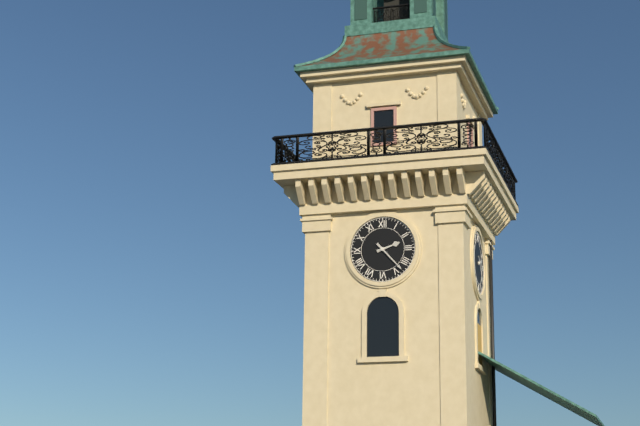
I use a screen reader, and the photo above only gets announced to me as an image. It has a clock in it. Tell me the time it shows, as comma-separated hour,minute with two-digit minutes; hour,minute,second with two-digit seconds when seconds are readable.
2,23
